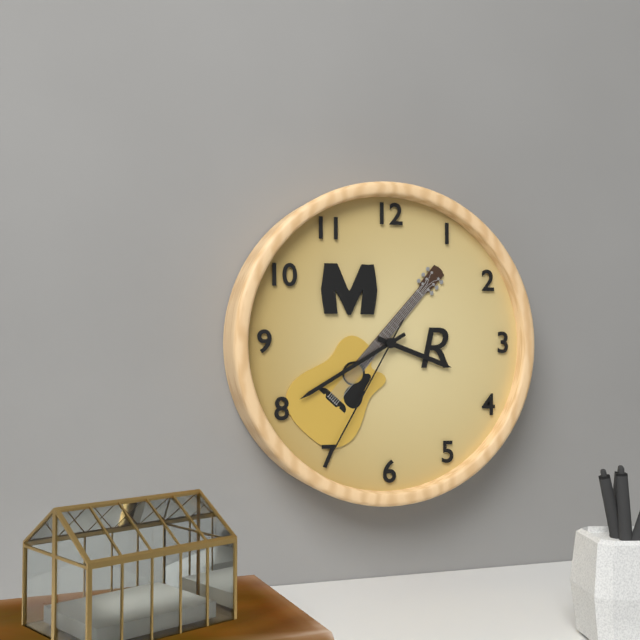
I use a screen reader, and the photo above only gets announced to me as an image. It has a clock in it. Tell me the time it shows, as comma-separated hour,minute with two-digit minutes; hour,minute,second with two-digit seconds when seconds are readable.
3,40,35
